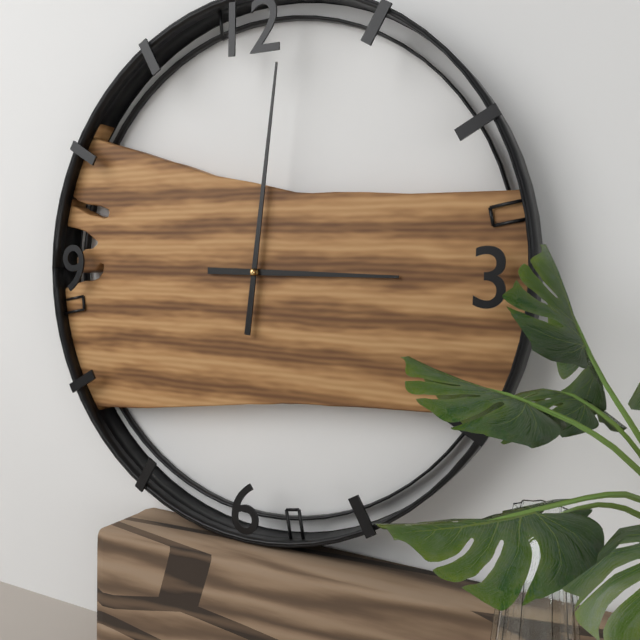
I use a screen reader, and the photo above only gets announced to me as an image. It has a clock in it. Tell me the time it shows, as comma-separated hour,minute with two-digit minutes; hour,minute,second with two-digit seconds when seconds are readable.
3,01
